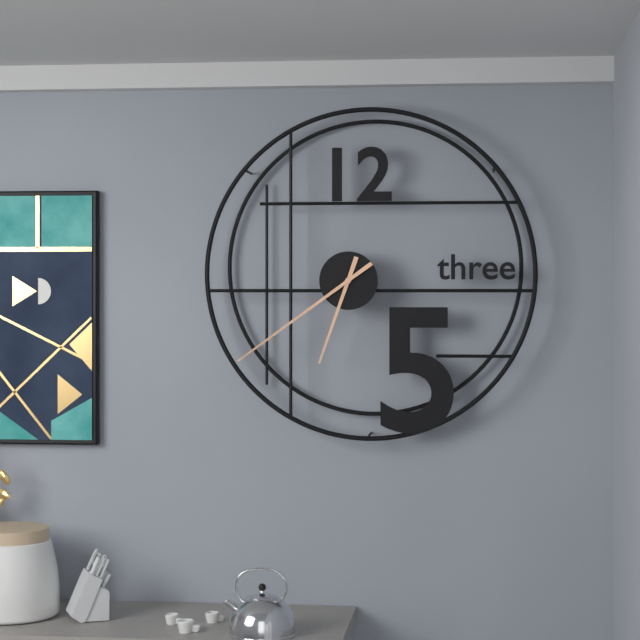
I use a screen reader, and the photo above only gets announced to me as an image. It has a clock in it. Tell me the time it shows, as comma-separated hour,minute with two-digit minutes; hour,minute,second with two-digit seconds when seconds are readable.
6,39
